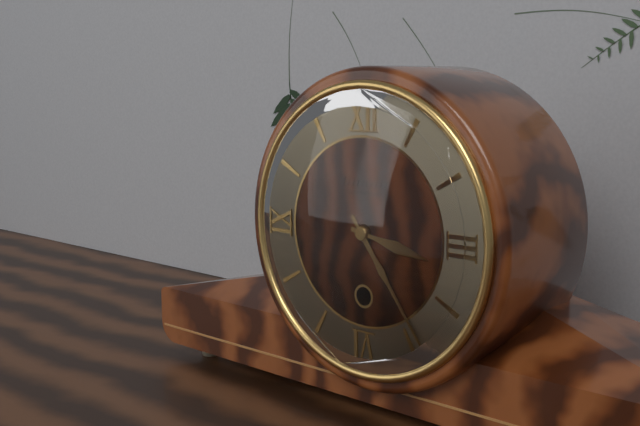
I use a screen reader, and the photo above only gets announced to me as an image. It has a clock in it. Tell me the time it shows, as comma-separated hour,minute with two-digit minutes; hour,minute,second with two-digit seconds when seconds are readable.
3,24
